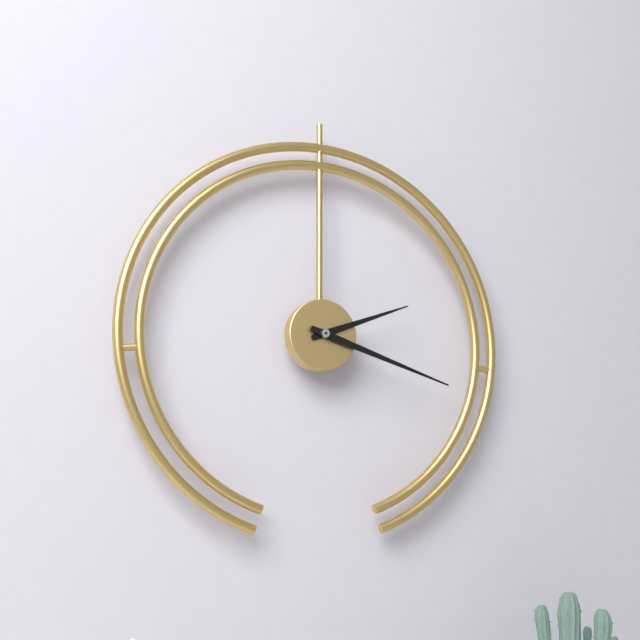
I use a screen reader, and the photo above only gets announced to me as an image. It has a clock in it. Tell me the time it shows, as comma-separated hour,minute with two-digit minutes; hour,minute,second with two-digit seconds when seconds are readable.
2,18
